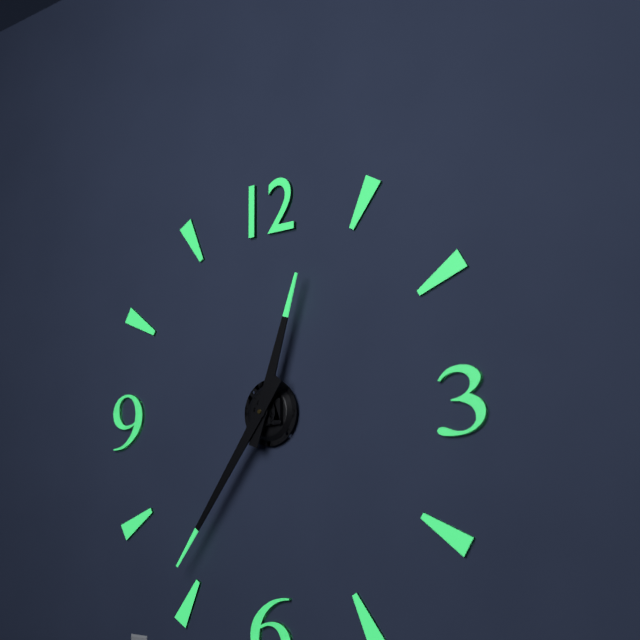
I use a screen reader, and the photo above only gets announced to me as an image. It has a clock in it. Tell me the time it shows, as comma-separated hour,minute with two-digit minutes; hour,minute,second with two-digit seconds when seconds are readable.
12,36
